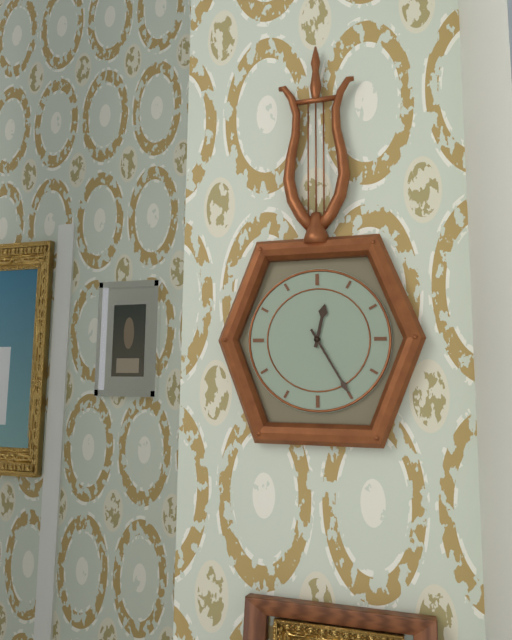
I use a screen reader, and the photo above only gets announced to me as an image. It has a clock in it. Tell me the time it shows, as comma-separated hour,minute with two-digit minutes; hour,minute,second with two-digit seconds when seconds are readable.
12,25
